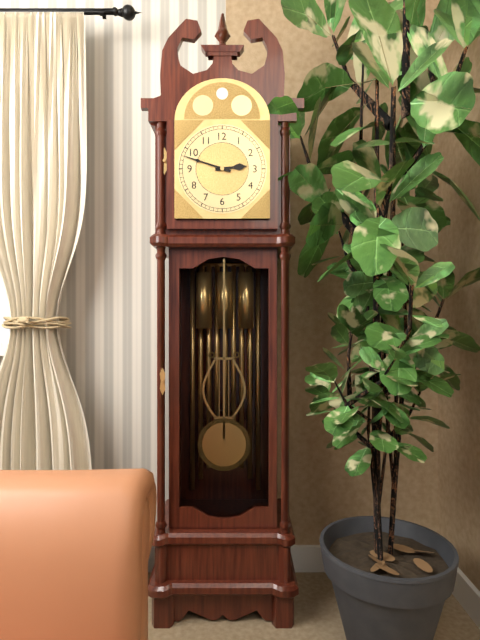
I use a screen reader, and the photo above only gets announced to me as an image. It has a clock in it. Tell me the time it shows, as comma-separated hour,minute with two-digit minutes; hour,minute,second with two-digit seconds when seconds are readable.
2,48
